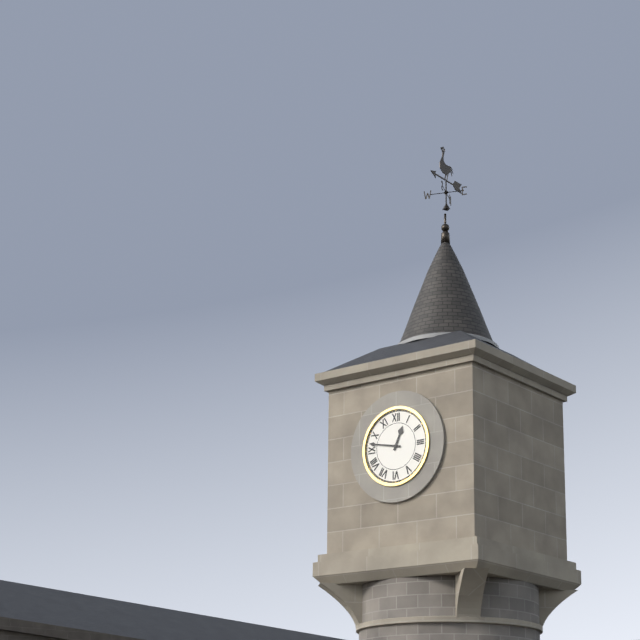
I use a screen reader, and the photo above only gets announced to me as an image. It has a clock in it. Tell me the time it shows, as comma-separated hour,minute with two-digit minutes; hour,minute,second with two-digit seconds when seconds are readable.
12,47
